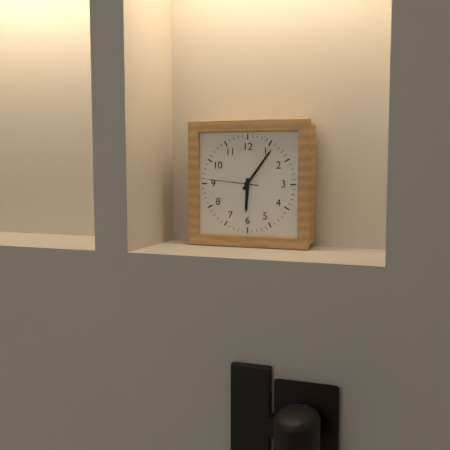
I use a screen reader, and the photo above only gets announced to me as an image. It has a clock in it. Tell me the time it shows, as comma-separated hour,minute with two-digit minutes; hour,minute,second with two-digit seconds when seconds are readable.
6,06,46
